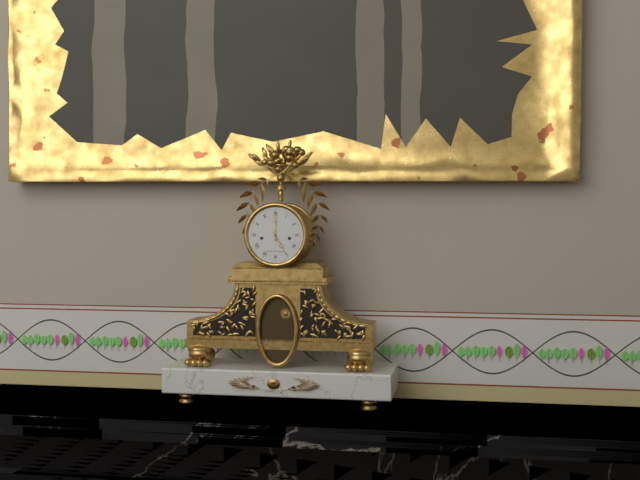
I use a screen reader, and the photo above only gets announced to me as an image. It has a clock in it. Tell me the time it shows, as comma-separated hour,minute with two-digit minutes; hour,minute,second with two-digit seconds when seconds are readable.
5,00
